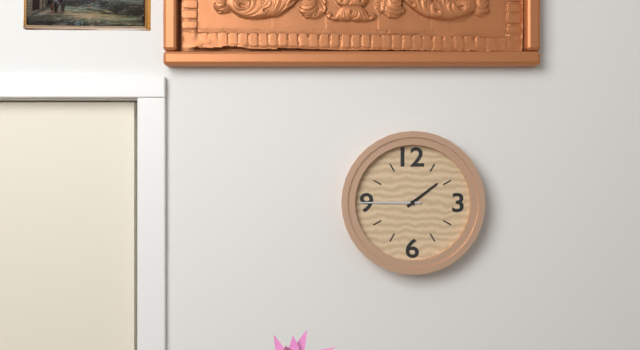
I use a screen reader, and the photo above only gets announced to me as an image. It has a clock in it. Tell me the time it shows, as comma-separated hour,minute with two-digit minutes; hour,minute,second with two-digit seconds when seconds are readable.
1,45
